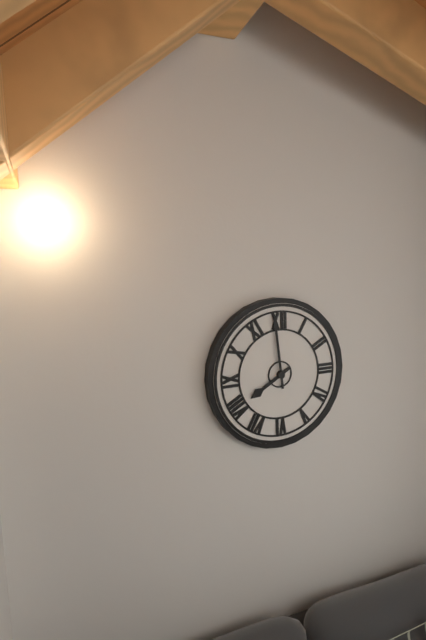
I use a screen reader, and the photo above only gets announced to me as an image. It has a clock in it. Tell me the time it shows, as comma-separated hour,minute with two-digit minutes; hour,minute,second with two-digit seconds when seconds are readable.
7,59
